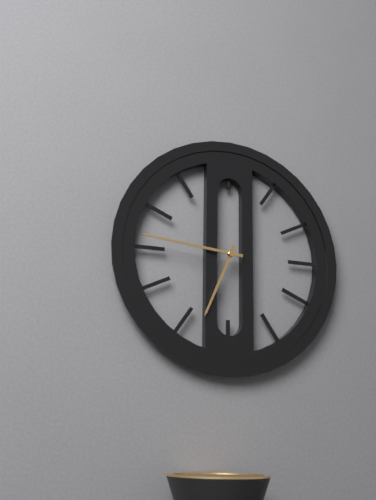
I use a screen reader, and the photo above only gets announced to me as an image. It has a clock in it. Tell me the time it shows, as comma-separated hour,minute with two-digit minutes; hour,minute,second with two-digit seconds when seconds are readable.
6,46
